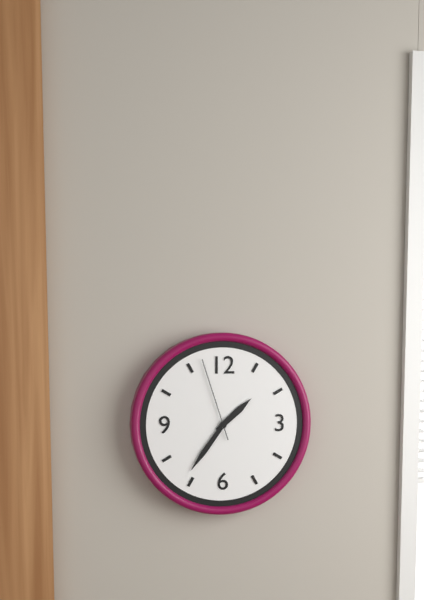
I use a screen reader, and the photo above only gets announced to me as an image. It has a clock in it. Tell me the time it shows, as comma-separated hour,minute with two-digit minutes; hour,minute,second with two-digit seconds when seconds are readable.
1,36,57
